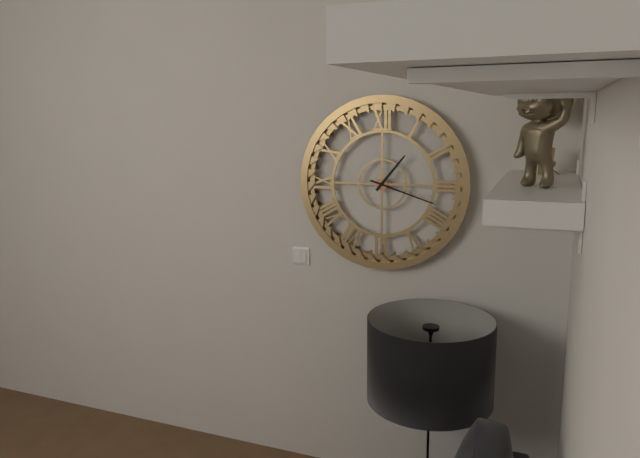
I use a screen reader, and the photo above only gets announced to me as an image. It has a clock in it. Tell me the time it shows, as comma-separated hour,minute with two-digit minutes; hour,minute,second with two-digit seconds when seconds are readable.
1,18
